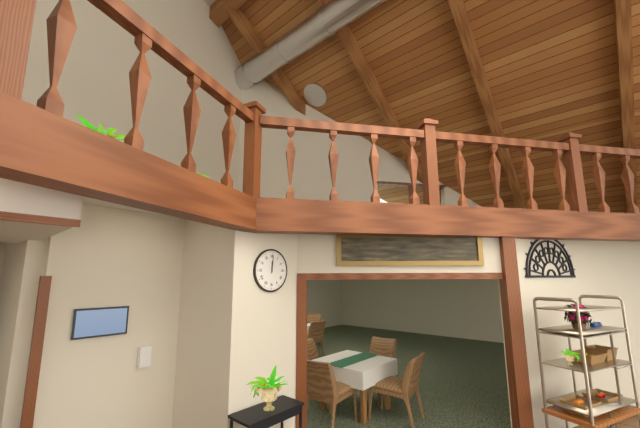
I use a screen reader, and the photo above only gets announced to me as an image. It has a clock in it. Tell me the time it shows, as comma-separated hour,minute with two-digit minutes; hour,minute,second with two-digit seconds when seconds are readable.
12,01
